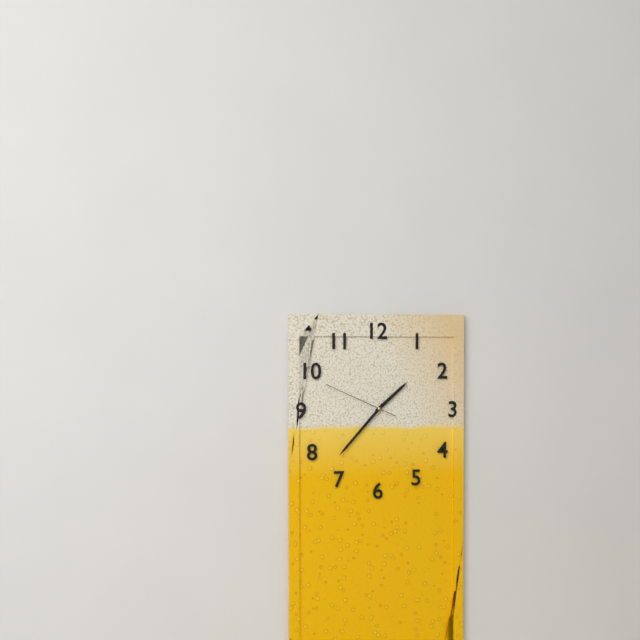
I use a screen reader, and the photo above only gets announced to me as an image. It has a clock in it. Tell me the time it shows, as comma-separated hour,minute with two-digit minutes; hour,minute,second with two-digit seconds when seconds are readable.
1,37,49
